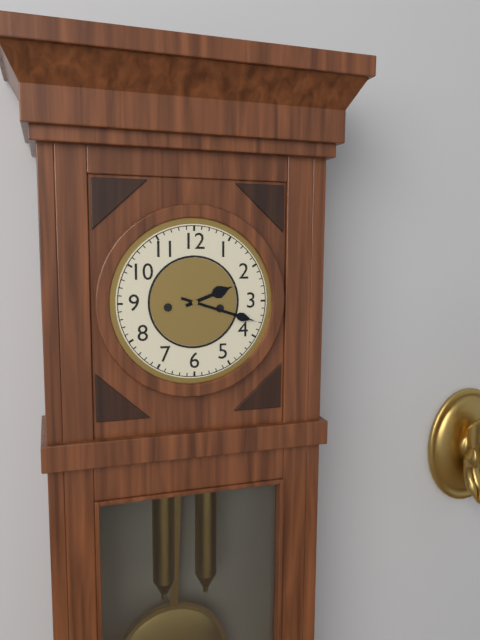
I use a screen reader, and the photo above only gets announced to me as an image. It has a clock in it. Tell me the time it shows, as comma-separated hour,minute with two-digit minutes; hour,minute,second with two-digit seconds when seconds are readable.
2,18
